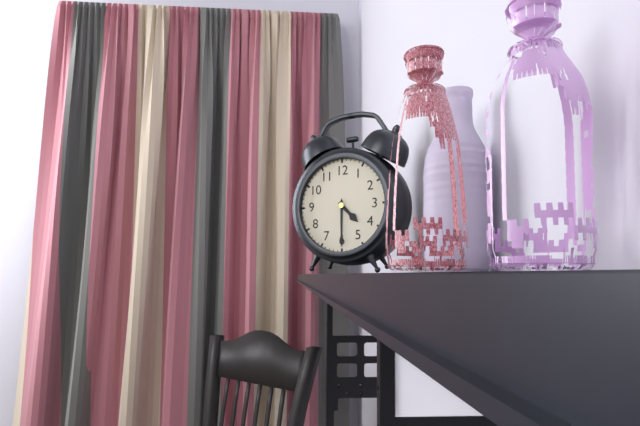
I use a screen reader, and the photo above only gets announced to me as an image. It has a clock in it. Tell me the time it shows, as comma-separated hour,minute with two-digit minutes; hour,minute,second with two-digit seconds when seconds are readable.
4,30
